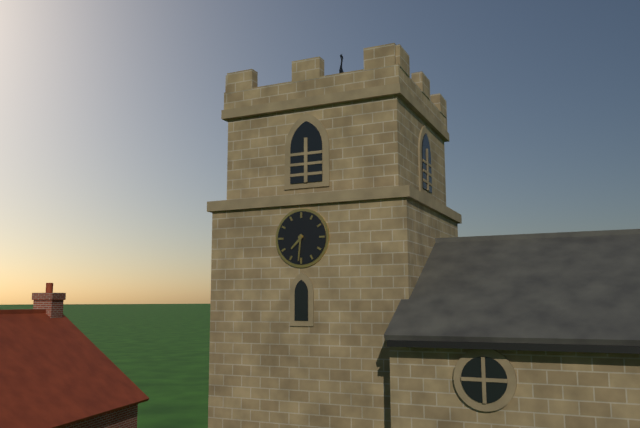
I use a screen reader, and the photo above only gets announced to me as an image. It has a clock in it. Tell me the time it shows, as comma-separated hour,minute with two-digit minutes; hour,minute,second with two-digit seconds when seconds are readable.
7,31
